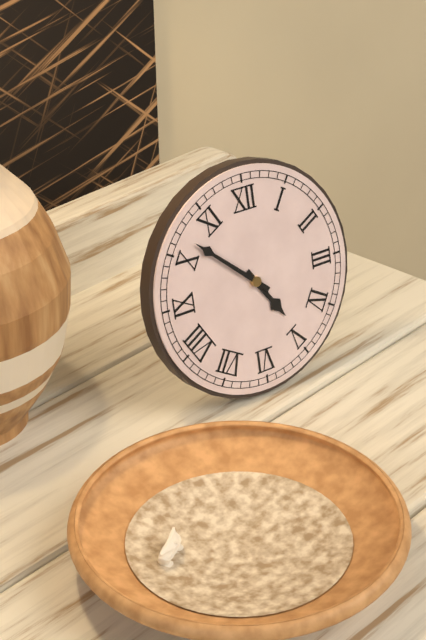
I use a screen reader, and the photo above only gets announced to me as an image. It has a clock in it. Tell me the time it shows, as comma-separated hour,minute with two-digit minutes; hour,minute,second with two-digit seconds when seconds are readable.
4,52
